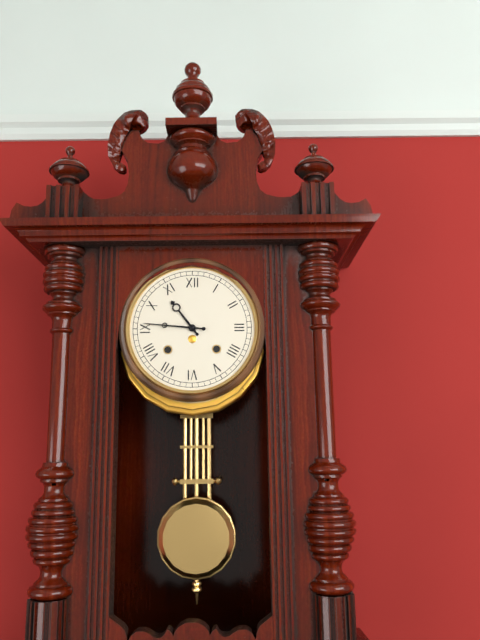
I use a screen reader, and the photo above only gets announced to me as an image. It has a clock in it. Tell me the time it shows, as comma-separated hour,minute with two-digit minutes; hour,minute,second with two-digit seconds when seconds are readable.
10,46
